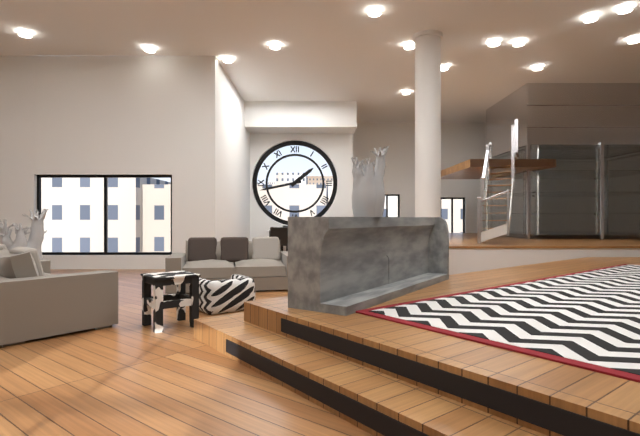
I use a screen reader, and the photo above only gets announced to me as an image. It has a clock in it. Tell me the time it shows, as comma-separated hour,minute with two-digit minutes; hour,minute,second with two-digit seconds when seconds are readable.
1,43
